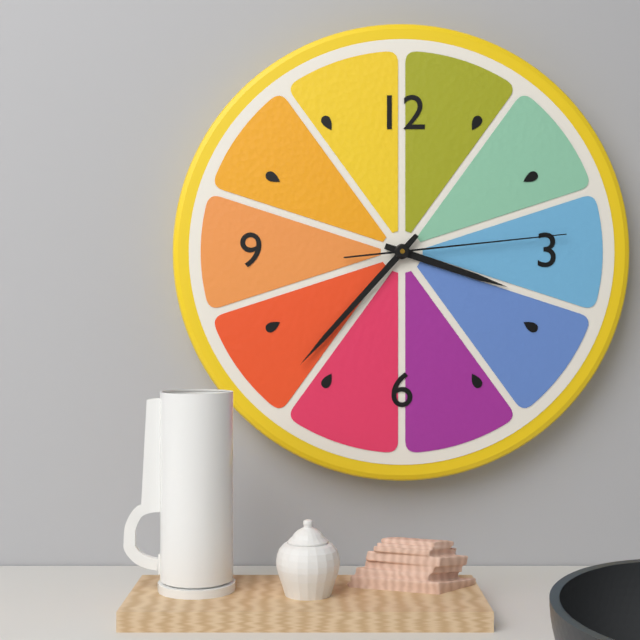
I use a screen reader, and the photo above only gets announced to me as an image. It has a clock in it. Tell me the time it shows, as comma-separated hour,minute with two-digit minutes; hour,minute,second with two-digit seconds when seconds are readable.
3,37,14
